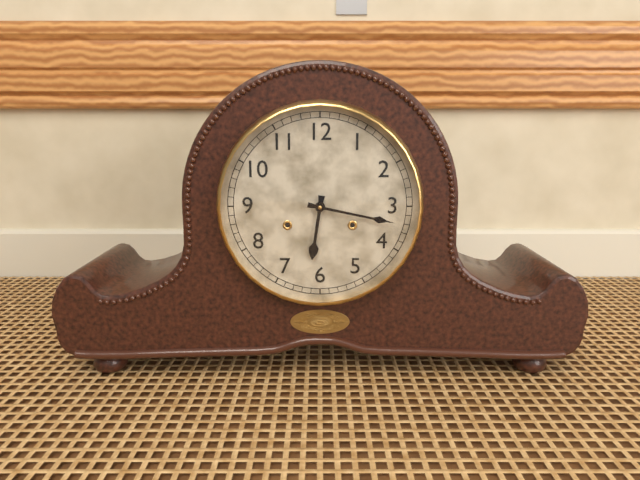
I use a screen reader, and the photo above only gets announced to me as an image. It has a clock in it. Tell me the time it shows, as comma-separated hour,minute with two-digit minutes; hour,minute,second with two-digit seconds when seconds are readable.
6,17
